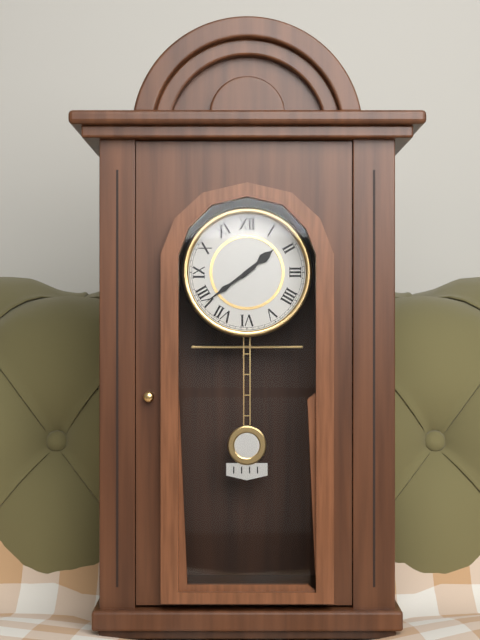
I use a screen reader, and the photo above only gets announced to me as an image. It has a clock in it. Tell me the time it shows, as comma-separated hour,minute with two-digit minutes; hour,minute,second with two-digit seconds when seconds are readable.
1,39
